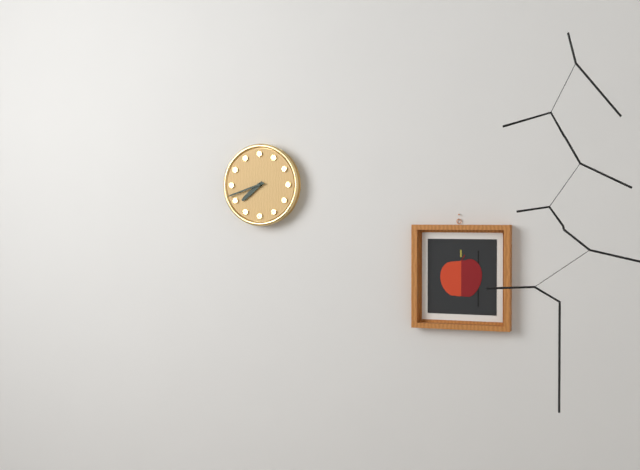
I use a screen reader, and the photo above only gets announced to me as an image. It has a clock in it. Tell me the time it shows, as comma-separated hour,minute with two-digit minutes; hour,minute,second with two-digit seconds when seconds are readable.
7,42
